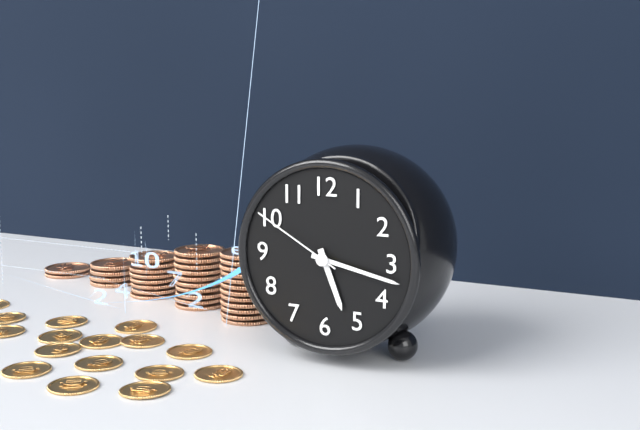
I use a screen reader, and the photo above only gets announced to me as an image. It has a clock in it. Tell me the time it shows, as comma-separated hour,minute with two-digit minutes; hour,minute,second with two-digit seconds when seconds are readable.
5,17,50
